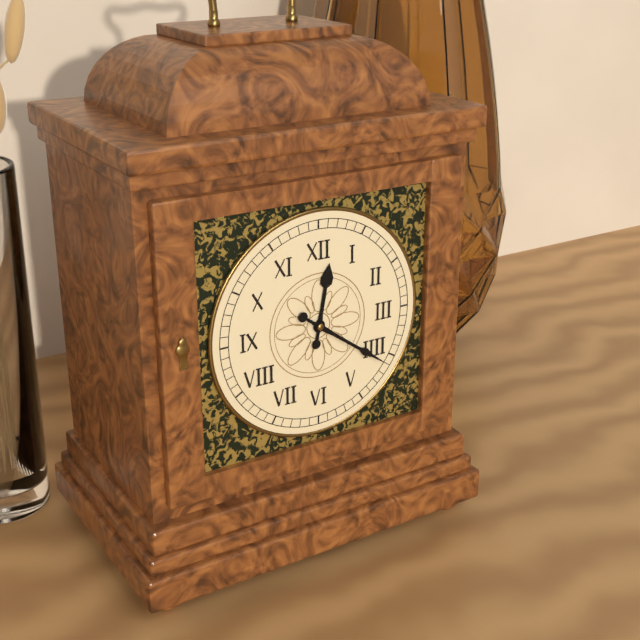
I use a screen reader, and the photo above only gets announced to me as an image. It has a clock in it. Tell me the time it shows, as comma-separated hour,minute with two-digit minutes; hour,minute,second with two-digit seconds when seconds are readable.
12,21
